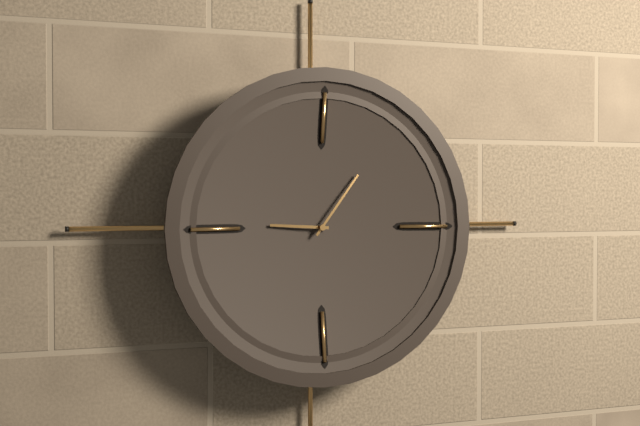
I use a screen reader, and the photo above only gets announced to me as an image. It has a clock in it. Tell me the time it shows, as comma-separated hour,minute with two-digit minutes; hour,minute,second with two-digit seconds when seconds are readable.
9,06
